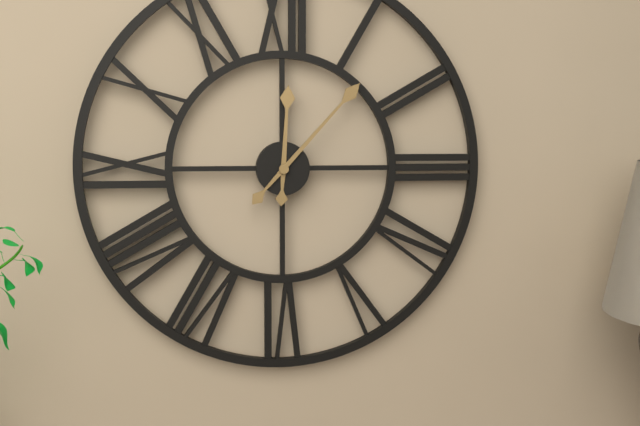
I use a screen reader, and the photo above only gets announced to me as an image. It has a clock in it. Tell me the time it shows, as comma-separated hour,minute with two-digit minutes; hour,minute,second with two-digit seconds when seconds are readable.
12,07
